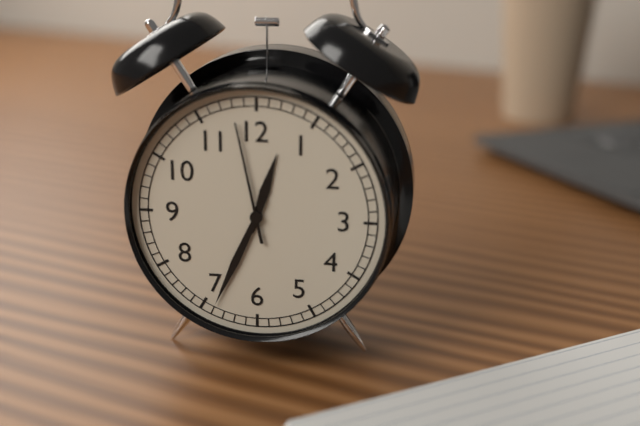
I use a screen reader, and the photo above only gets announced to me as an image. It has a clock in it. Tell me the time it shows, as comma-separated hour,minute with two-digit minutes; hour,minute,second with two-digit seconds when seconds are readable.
12,34,58
